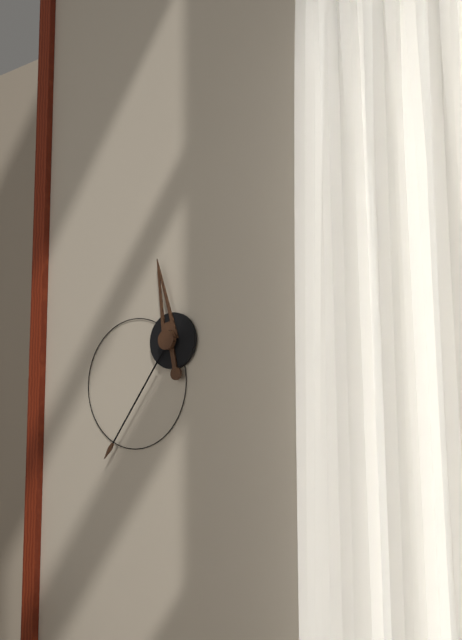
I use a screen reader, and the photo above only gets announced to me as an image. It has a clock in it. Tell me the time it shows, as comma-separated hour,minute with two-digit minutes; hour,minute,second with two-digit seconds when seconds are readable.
11,36
